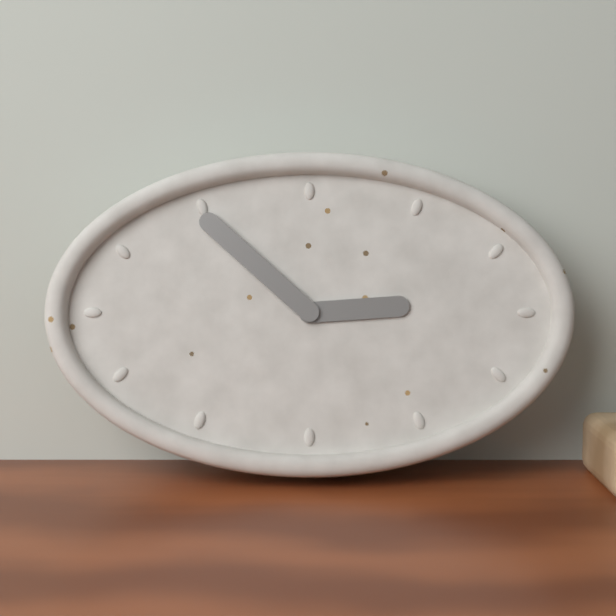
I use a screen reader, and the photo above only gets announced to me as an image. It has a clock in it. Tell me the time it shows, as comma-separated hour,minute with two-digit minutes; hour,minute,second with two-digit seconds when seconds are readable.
2,52
